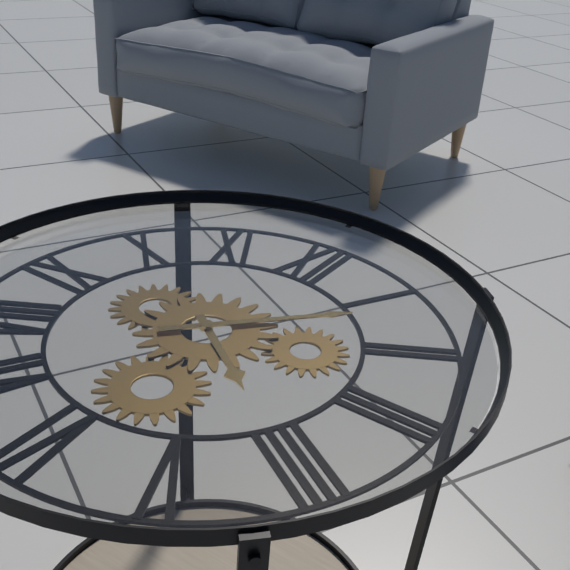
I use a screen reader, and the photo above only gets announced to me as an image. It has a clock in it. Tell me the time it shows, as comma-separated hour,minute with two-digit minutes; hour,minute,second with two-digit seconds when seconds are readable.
4,07
